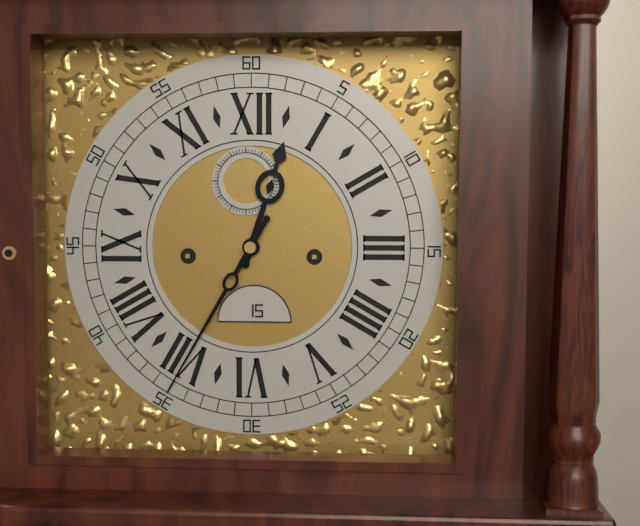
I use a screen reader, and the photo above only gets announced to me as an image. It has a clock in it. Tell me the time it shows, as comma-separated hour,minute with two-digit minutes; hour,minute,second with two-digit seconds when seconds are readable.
12,35
